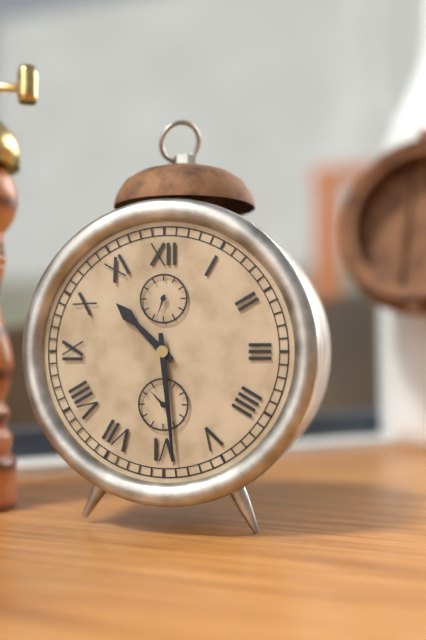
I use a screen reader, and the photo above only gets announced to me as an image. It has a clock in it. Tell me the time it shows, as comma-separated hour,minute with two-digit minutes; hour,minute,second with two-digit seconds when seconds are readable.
10,29
